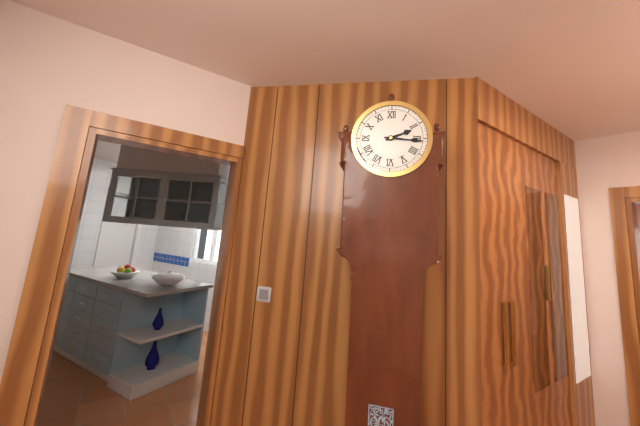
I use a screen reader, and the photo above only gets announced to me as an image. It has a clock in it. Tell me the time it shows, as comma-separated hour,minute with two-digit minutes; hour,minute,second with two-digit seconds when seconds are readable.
2,16
